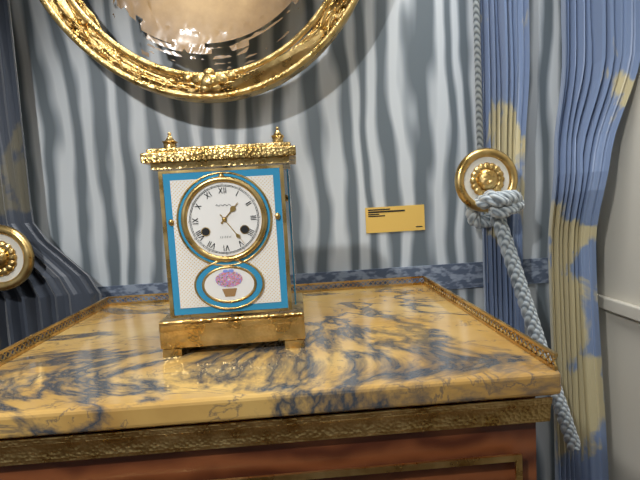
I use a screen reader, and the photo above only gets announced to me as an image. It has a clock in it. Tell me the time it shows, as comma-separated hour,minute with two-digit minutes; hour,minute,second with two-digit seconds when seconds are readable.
1,24
